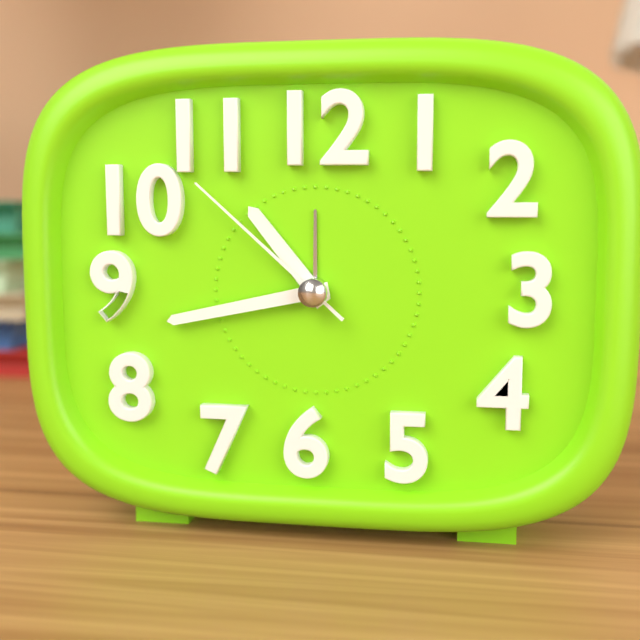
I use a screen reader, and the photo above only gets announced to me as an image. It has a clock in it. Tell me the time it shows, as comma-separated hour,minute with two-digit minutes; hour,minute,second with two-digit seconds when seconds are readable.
10,43,52
